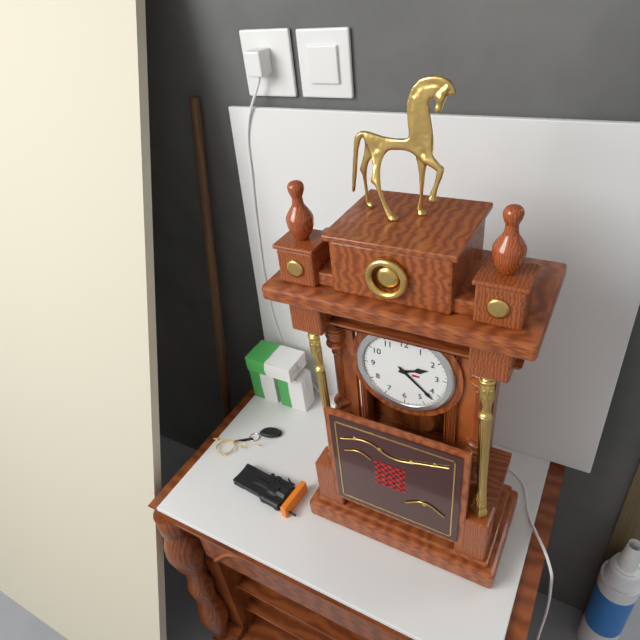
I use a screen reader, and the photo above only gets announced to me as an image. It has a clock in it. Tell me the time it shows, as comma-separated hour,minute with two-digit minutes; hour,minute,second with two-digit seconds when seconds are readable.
2,22
